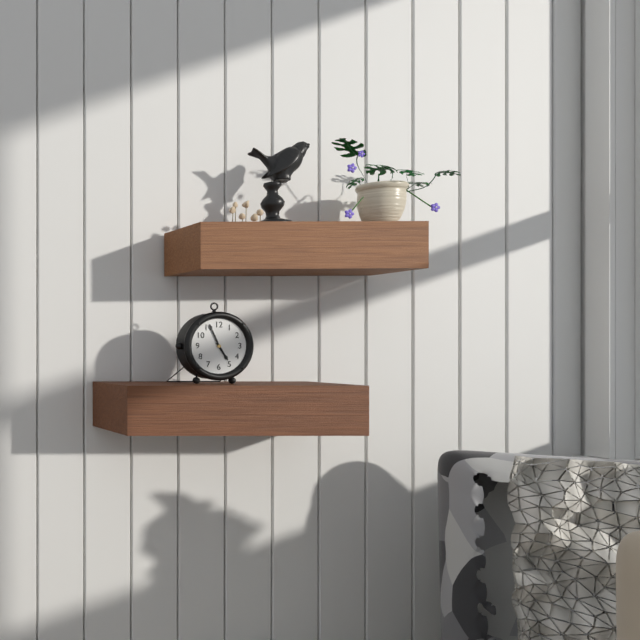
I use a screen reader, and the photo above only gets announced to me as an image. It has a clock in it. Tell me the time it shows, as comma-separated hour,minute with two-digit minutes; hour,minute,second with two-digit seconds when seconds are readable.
4,56
